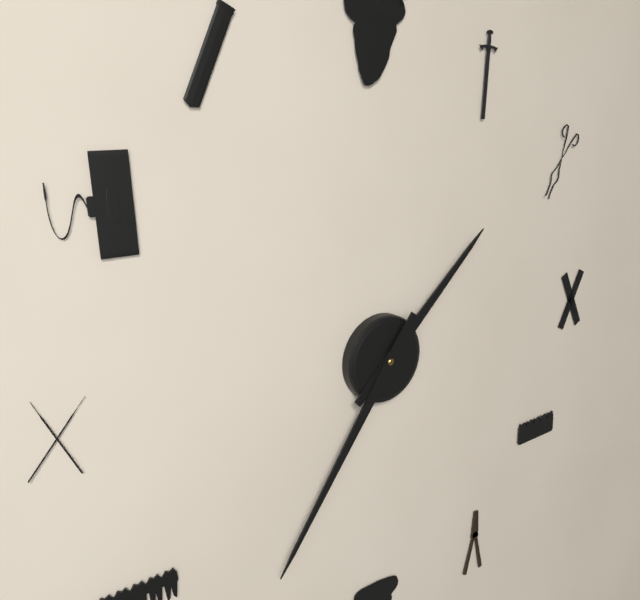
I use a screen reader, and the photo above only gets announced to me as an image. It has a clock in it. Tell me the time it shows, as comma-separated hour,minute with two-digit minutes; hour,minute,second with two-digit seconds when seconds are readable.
1,36
